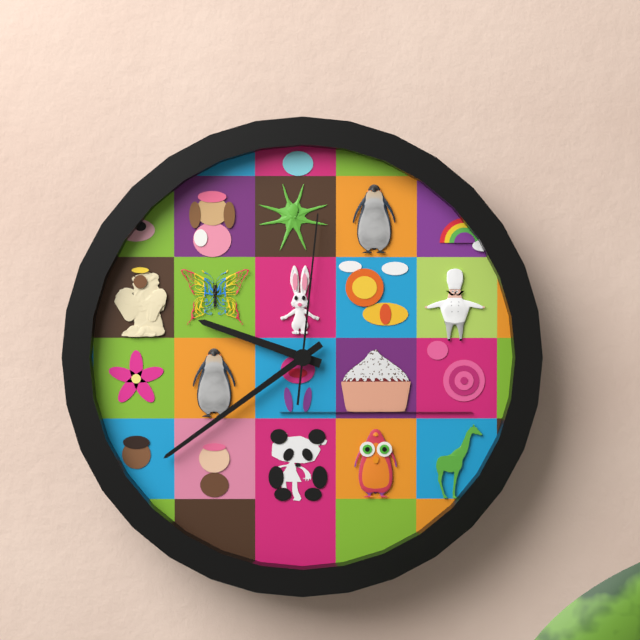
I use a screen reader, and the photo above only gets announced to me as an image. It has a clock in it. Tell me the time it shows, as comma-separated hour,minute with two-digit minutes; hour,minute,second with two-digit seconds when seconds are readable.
9,39,01
